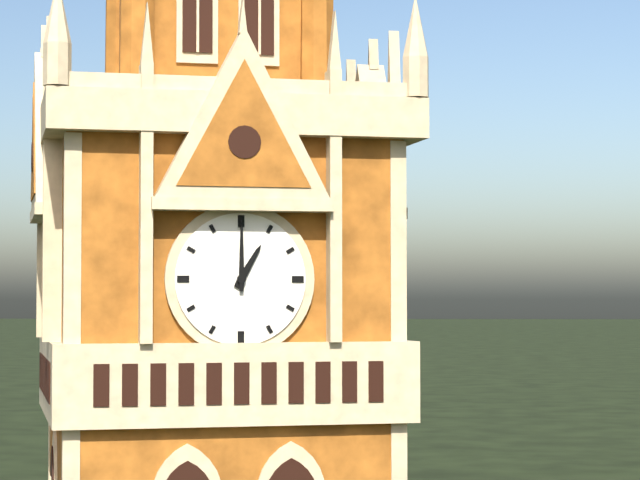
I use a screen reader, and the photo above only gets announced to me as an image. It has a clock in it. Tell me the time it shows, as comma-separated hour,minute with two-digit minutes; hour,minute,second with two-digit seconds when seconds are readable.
1,00
